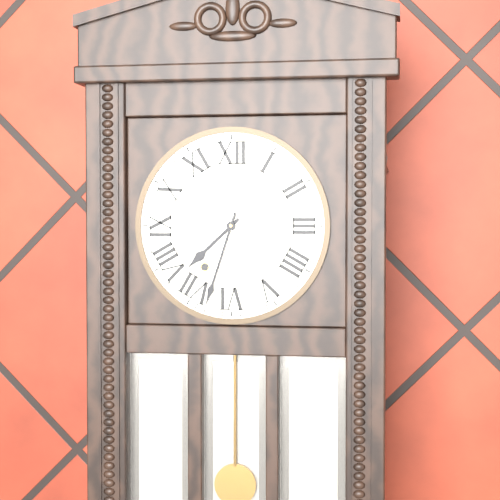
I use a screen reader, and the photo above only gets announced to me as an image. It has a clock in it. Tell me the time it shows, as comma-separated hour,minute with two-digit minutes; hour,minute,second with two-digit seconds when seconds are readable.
7,33
